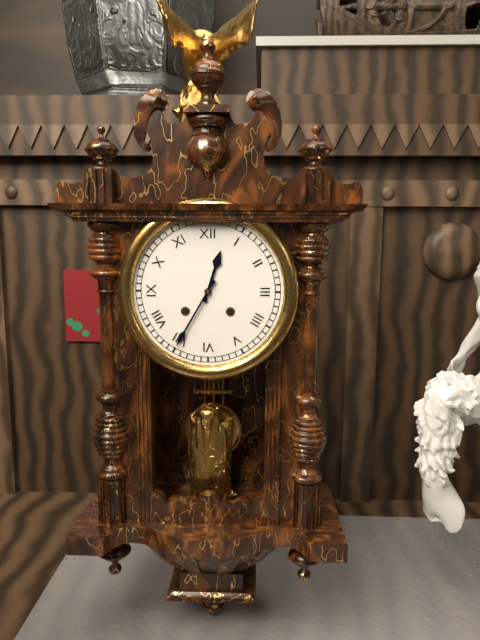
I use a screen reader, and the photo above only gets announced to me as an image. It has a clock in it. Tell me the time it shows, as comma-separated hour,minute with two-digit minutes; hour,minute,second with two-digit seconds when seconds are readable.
12,35
